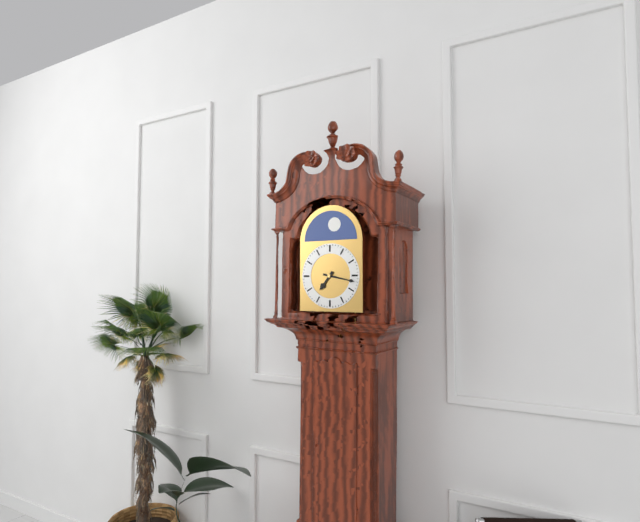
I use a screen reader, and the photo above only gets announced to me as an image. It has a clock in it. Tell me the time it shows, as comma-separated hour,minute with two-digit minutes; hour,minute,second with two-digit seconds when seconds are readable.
7,17
